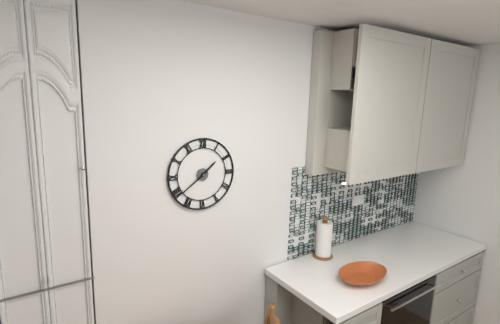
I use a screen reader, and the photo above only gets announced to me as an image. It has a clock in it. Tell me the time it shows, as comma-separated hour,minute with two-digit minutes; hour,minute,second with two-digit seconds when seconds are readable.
1,39
